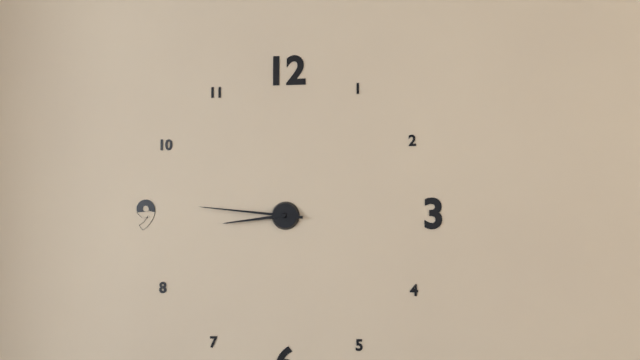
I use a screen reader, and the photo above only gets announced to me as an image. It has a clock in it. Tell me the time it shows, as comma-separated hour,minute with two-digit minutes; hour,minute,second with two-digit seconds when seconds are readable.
8,46
